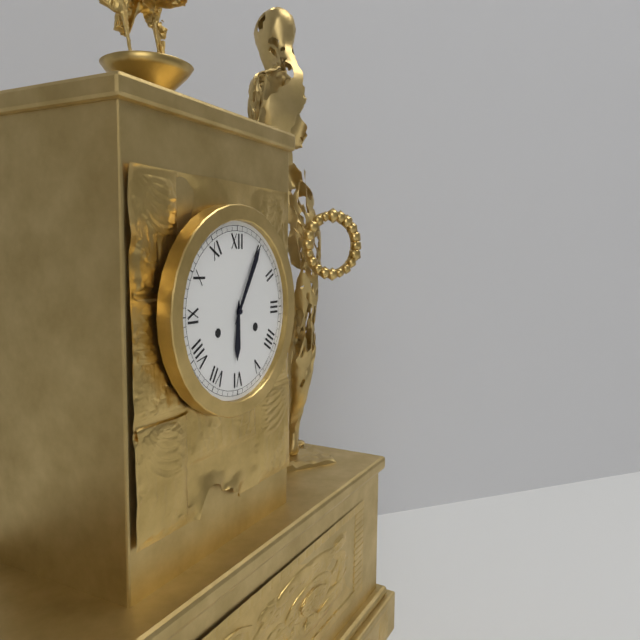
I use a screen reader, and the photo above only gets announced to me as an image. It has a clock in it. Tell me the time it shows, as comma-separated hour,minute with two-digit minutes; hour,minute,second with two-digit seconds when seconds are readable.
6,05
